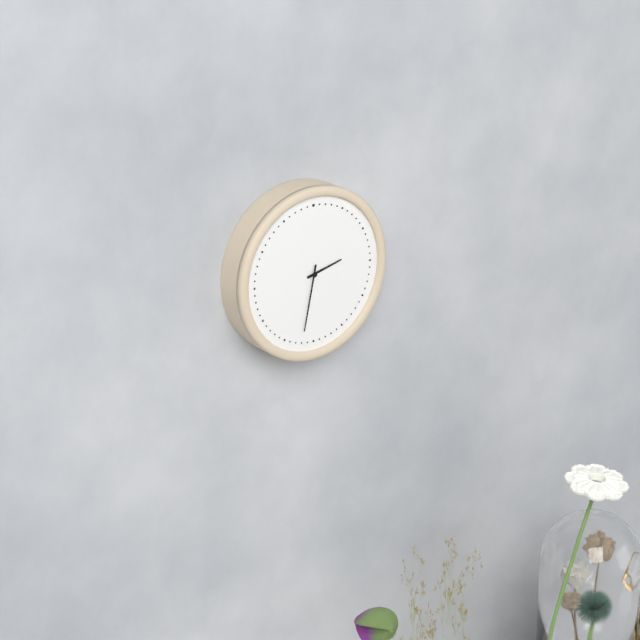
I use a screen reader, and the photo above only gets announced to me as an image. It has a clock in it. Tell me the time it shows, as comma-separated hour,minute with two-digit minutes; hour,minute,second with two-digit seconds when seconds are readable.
2,32
